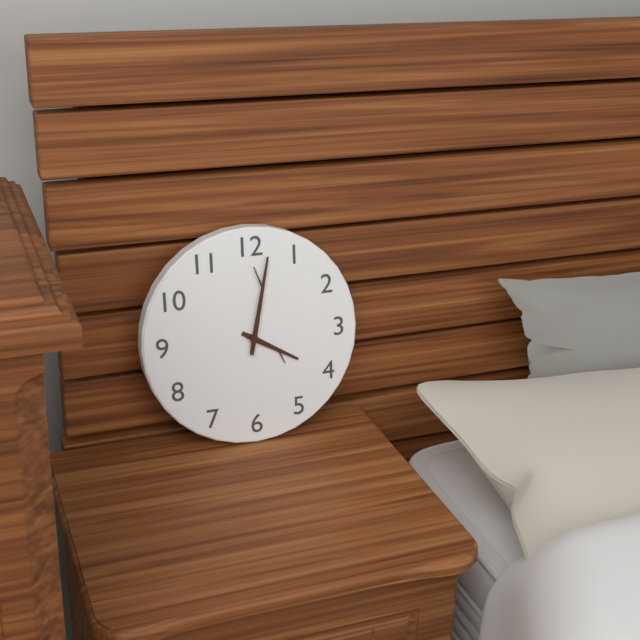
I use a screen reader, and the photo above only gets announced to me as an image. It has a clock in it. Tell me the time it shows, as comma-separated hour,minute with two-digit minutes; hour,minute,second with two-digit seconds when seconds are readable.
4,02
